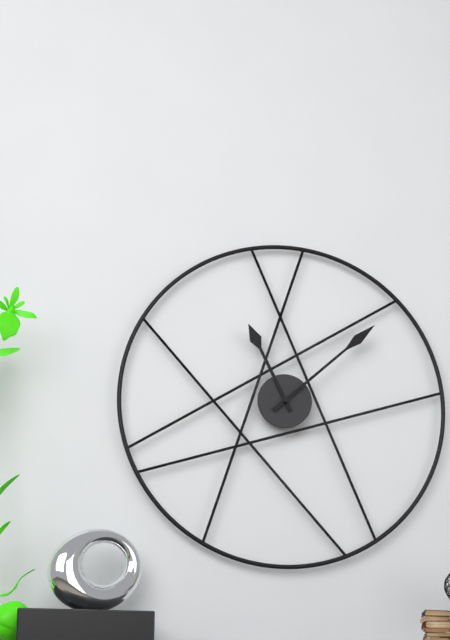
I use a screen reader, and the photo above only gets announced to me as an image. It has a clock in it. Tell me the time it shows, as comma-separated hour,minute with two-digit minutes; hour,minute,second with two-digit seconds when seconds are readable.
11,08
